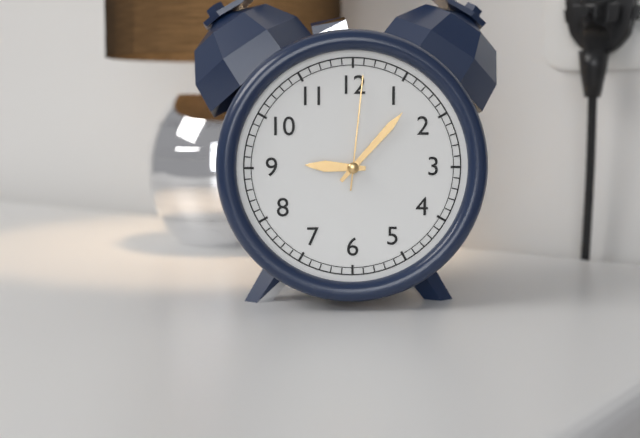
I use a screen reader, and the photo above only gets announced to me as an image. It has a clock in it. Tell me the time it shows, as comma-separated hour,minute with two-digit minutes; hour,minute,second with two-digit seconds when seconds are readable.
9,07,01
